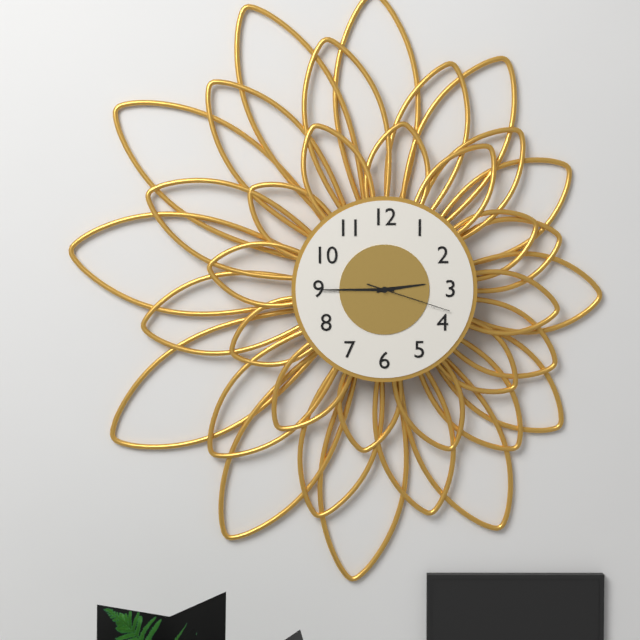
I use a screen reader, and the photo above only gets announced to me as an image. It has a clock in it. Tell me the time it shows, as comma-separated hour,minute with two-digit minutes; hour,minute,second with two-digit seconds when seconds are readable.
2,45,18
